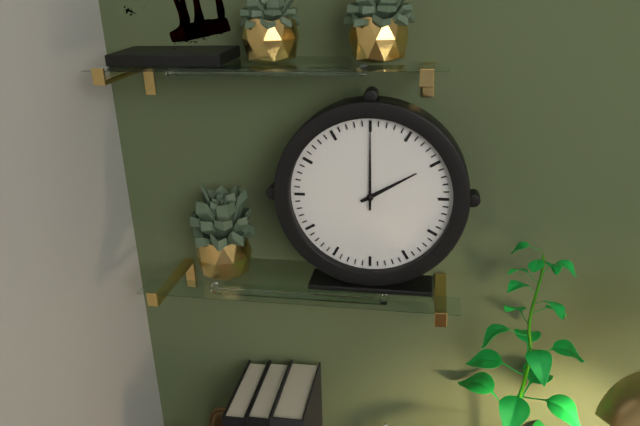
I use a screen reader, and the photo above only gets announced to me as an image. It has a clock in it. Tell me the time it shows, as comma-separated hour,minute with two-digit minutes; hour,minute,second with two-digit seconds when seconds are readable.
2,00
